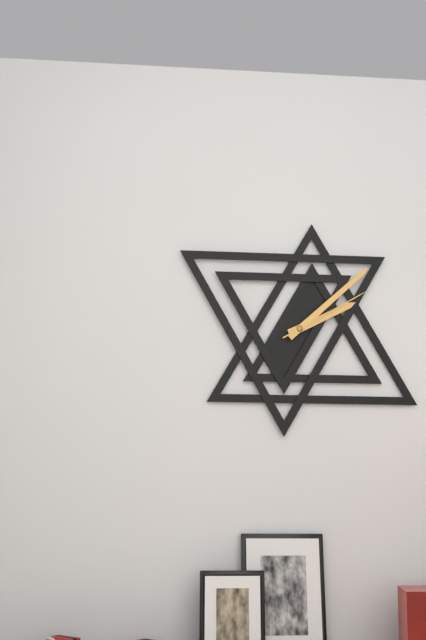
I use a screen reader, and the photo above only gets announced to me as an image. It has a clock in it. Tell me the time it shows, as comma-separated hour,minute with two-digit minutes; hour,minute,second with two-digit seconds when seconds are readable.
2,08,10
